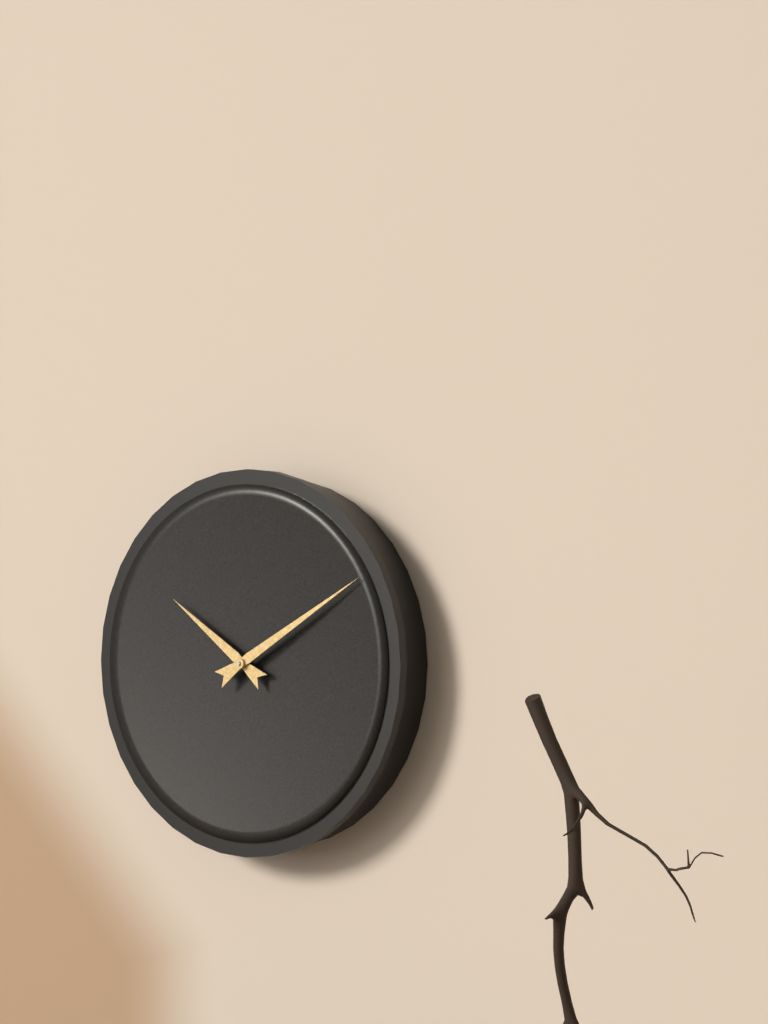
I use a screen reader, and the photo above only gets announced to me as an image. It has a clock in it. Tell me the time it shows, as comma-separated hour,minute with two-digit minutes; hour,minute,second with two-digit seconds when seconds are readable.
10,10
